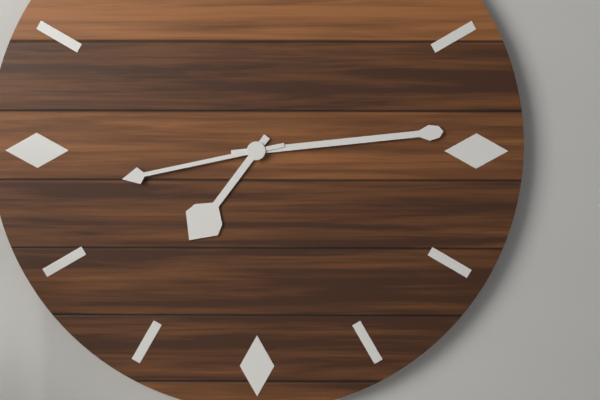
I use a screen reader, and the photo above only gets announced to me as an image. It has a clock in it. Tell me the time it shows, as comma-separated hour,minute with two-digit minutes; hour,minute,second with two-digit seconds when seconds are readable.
7,14,43
